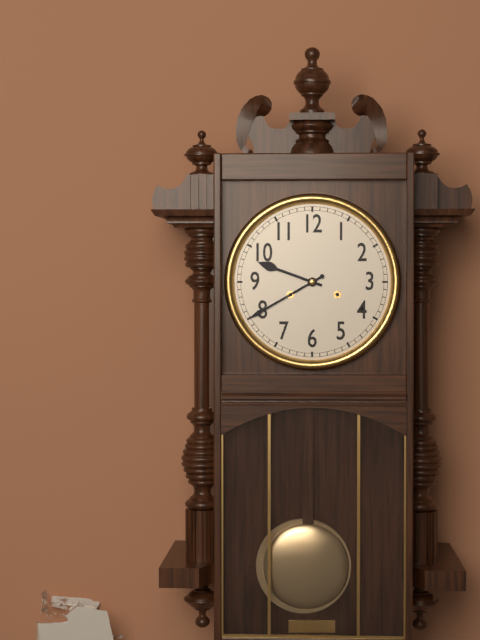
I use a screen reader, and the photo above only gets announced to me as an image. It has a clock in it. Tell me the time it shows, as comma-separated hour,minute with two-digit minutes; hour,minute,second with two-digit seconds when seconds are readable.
9,40
